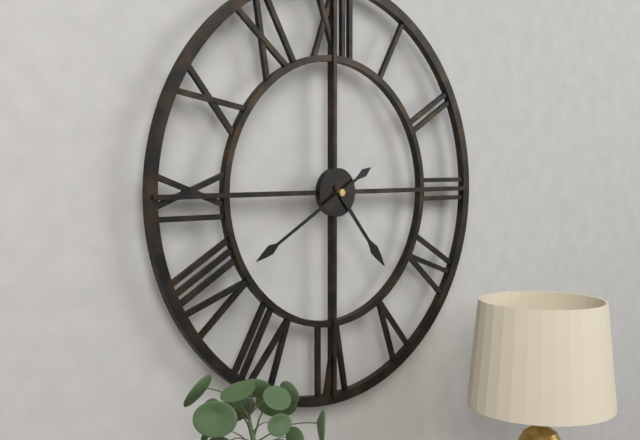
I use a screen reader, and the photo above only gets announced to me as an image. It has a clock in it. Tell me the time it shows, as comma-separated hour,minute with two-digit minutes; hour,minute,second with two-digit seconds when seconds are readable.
4,40
